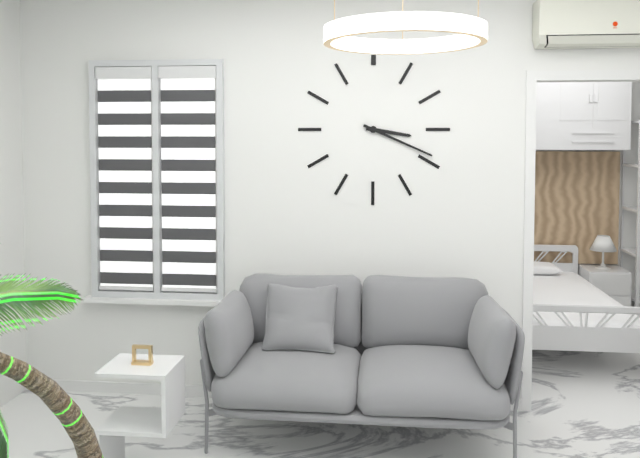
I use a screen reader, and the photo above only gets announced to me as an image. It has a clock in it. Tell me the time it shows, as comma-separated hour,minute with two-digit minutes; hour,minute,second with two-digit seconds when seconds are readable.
3,19
